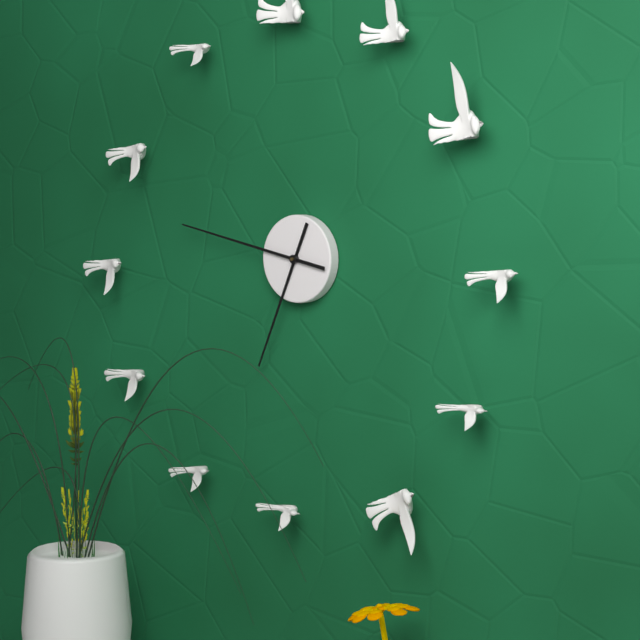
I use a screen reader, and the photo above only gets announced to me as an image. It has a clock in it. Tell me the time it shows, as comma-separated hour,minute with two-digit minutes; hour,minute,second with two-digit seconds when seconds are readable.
6,47
